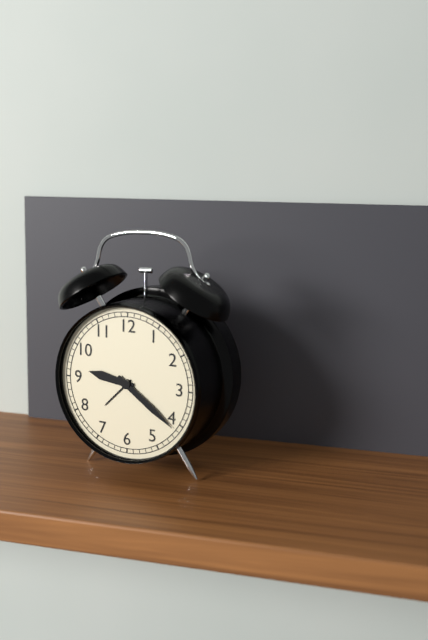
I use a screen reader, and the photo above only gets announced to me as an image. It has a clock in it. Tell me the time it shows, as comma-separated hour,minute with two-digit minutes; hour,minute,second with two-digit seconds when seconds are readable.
9,21
